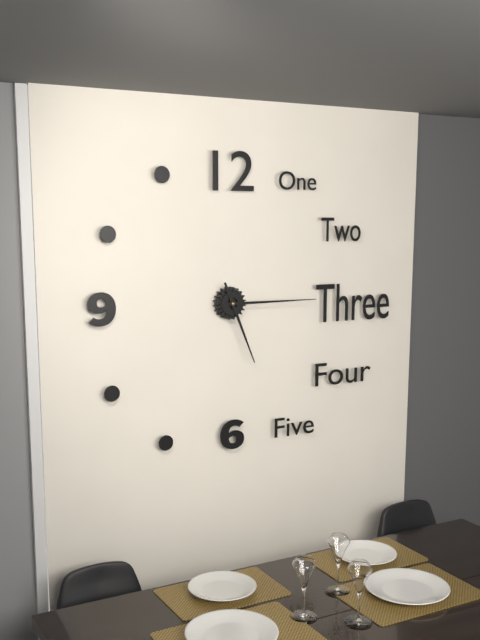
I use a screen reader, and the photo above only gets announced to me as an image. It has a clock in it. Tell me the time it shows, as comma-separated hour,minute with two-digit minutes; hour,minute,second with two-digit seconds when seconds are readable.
5,15
